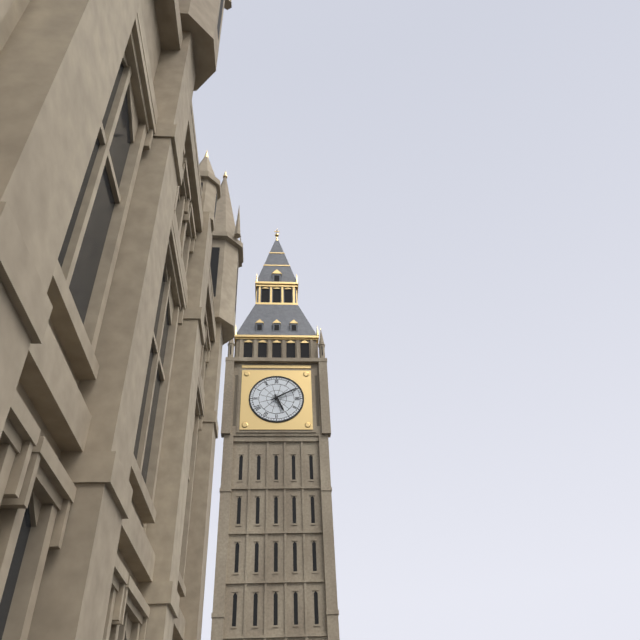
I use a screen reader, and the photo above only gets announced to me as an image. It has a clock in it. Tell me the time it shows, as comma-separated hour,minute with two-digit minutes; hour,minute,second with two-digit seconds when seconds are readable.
5,10
